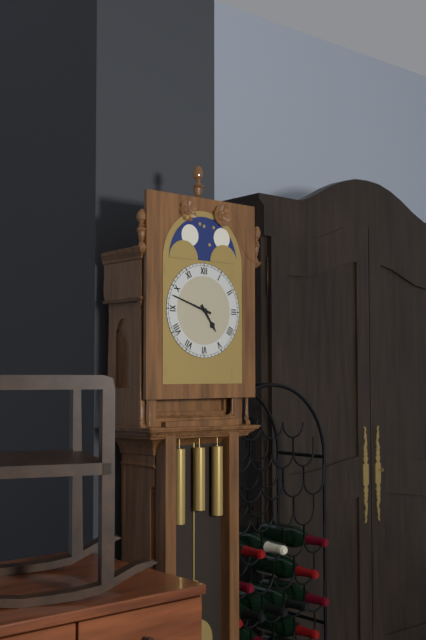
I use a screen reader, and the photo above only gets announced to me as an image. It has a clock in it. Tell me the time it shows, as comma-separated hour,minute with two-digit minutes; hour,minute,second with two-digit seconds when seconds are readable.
4,48
